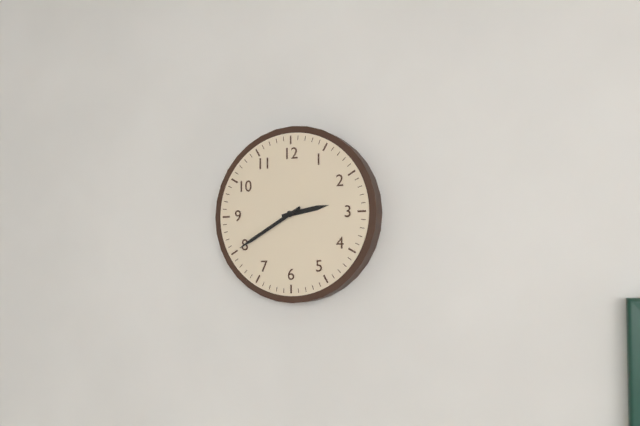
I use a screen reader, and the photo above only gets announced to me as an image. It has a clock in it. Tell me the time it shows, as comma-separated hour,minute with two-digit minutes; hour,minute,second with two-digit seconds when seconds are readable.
2,40
